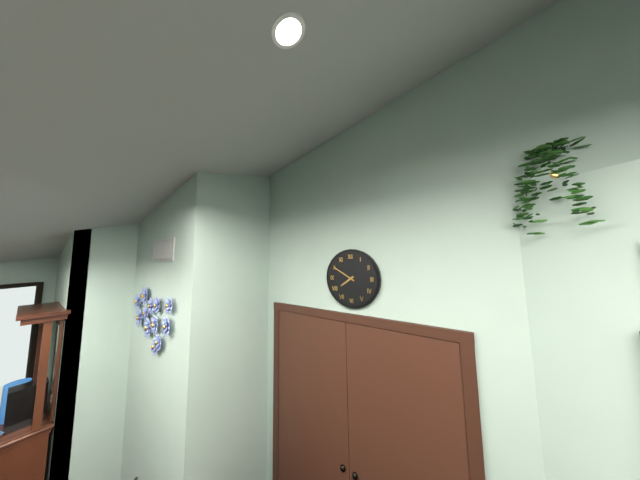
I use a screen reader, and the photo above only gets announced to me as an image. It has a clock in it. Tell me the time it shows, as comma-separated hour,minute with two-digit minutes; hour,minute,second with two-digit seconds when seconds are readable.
7,50
